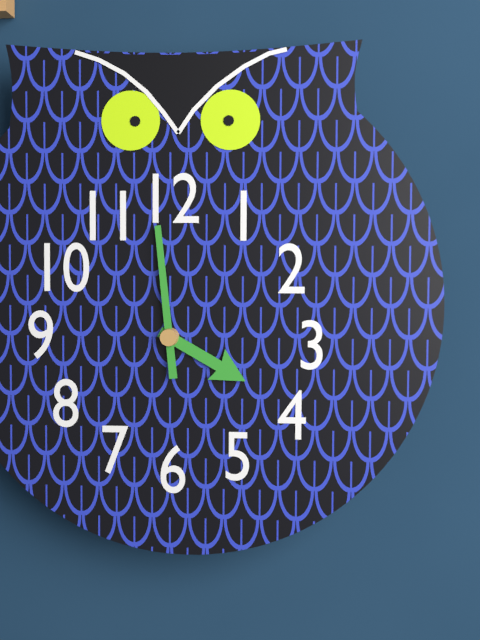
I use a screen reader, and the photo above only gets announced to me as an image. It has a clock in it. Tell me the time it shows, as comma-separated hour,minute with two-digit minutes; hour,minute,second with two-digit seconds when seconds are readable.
3,59
